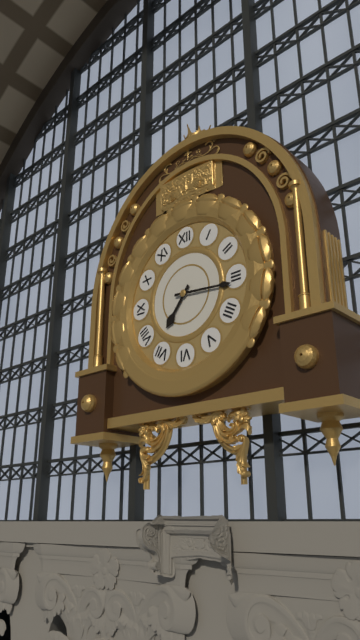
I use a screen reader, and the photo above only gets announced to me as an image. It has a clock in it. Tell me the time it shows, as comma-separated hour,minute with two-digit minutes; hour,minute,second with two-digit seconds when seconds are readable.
7,16
